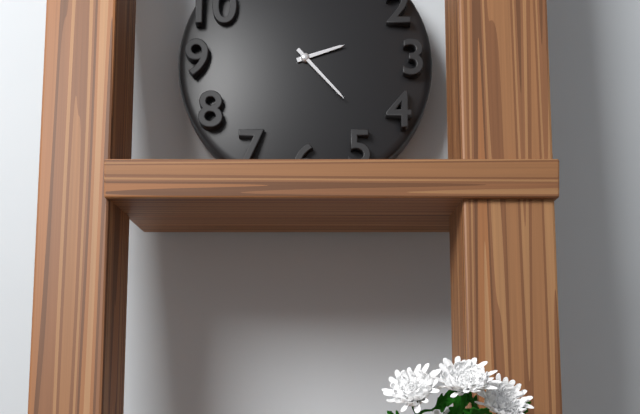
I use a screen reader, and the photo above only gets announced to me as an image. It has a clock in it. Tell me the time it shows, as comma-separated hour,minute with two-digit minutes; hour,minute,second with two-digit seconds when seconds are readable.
2,23
